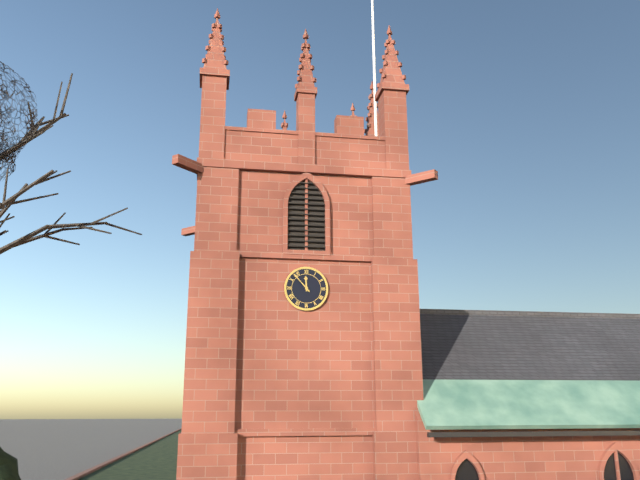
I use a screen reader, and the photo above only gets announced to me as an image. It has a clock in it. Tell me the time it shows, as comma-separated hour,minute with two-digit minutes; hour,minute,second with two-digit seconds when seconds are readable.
11,53
